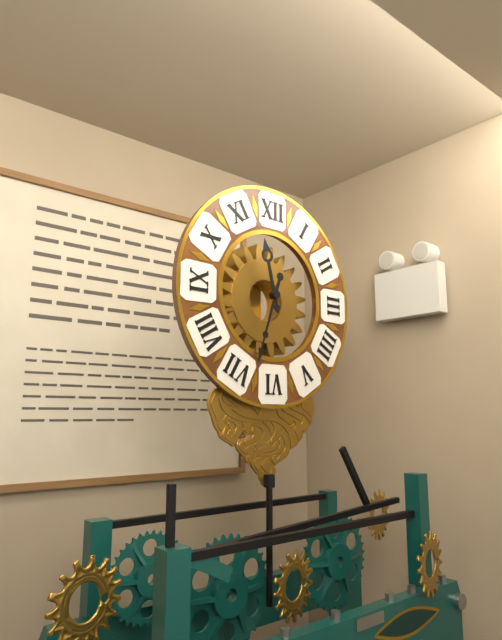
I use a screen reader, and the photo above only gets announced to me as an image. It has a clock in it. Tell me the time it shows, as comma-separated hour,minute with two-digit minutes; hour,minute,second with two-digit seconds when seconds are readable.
11,33
